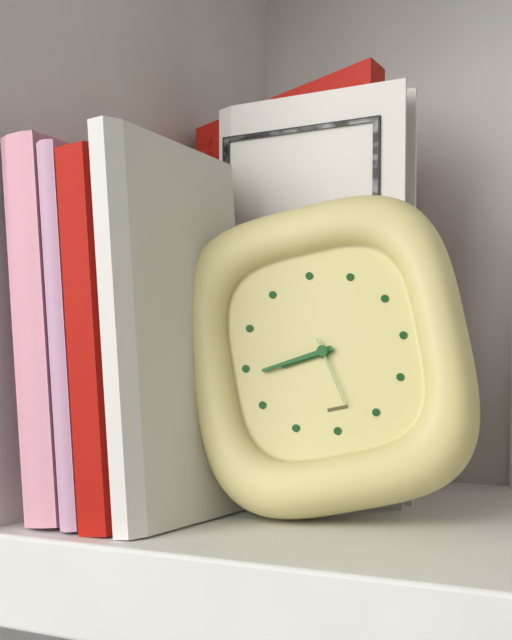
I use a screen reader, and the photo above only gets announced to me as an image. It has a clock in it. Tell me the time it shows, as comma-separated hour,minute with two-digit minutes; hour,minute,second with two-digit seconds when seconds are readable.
8,44,28
